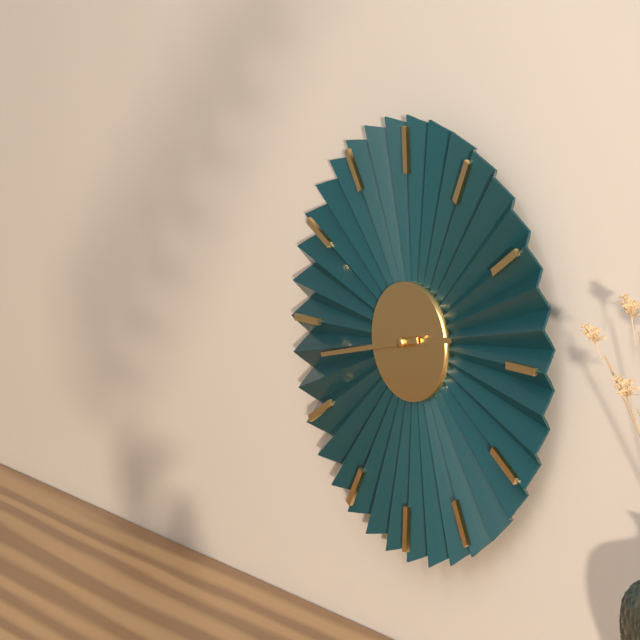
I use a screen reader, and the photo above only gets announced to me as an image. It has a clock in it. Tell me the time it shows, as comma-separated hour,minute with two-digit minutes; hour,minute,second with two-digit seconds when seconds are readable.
2,43
